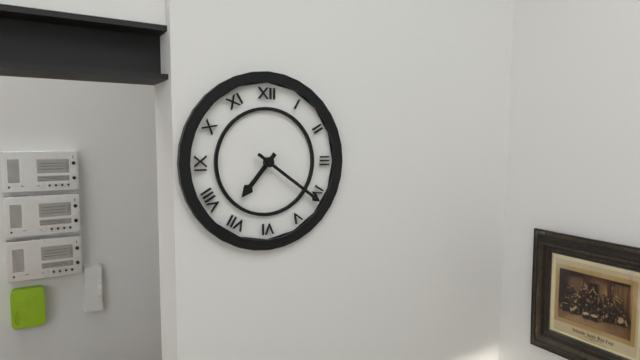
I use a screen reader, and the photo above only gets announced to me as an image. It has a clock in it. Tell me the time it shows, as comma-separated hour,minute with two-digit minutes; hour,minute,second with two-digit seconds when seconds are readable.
7,21
